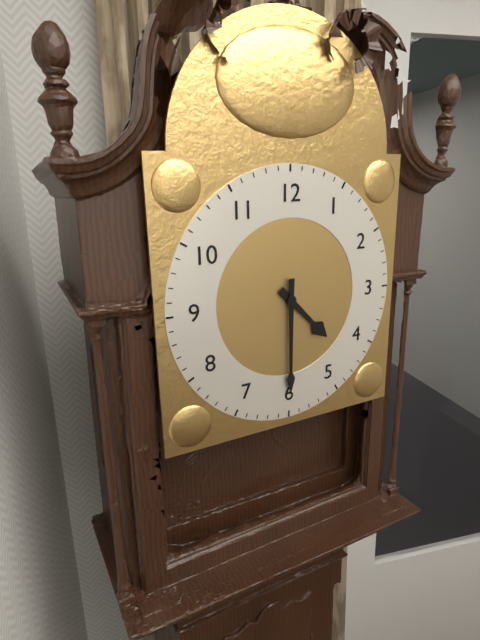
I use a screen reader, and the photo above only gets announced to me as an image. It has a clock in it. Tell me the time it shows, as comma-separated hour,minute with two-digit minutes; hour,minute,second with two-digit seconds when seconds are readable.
4,30
